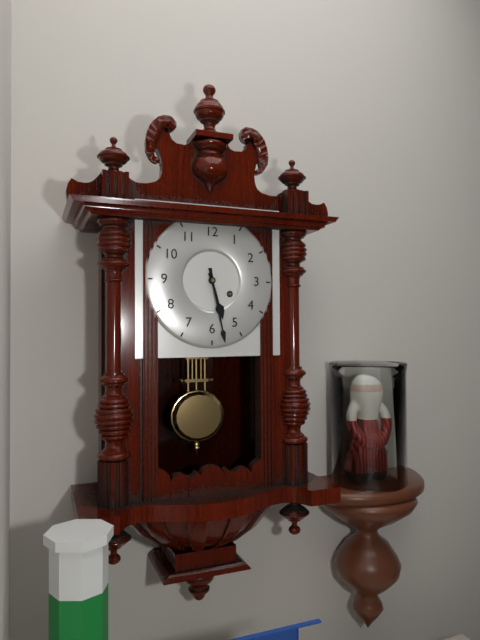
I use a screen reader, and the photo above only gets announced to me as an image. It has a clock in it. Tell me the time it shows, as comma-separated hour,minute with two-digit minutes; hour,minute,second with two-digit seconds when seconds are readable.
5,28
